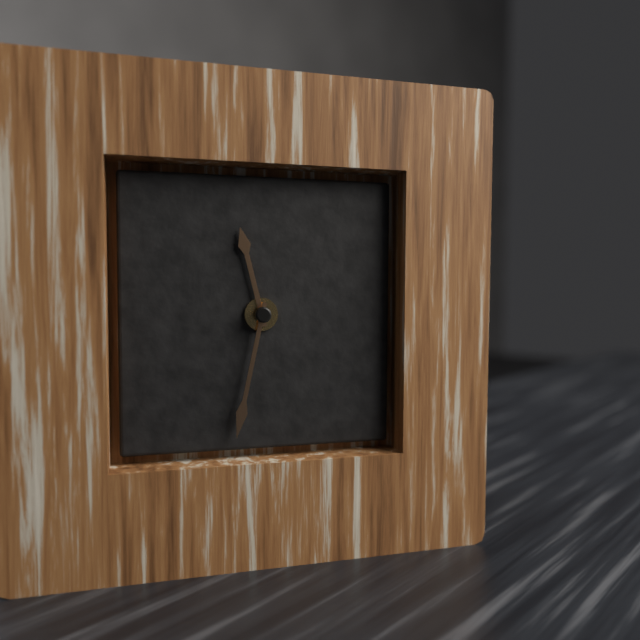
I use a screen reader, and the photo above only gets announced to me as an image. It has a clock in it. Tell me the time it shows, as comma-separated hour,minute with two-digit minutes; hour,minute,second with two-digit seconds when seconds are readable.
11,32
